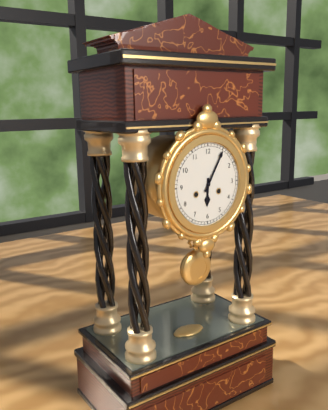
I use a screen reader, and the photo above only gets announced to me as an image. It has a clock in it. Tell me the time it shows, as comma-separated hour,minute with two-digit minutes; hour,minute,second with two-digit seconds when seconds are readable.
6,05
